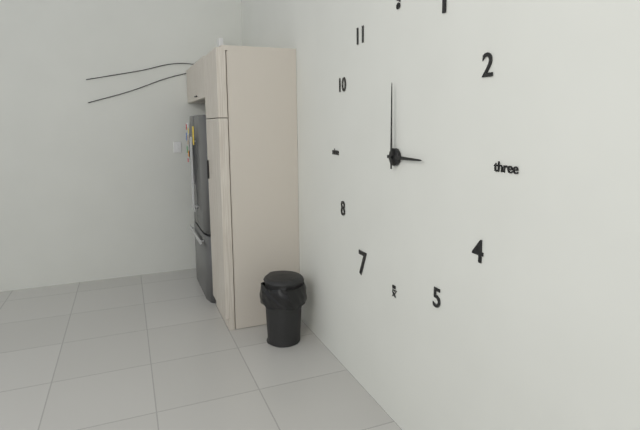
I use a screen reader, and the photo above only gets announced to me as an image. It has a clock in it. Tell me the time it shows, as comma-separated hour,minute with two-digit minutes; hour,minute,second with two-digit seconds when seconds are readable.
3,00
